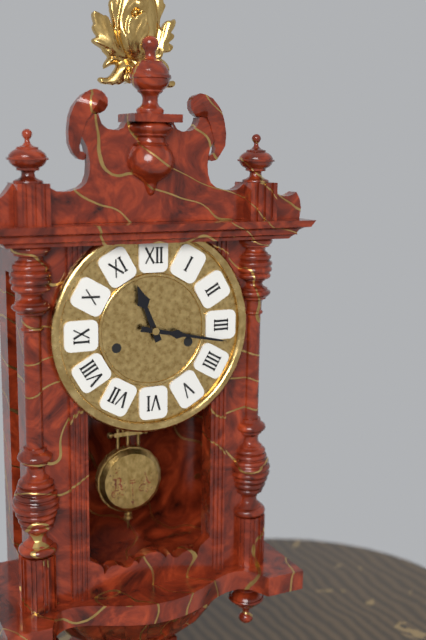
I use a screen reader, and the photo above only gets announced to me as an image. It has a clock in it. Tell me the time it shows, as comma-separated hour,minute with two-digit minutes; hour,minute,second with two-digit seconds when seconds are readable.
11,17
